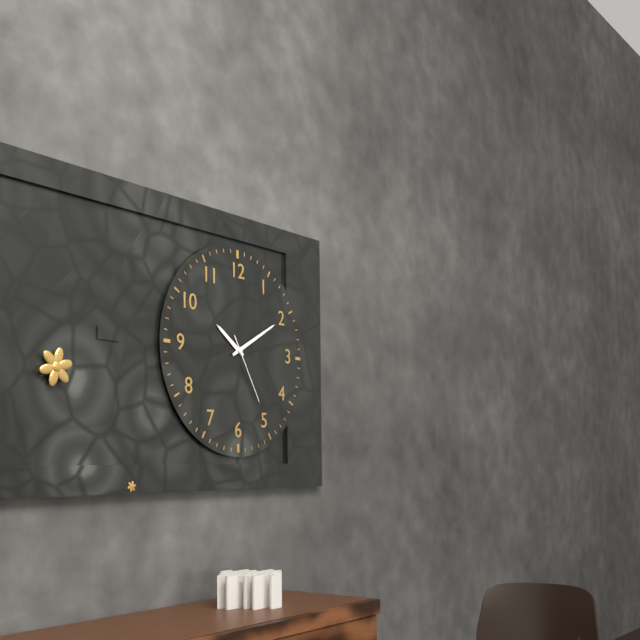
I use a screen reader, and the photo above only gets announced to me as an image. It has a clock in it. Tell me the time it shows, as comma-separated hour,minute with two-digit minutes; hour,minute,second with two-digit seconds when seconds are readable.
10,10,25
